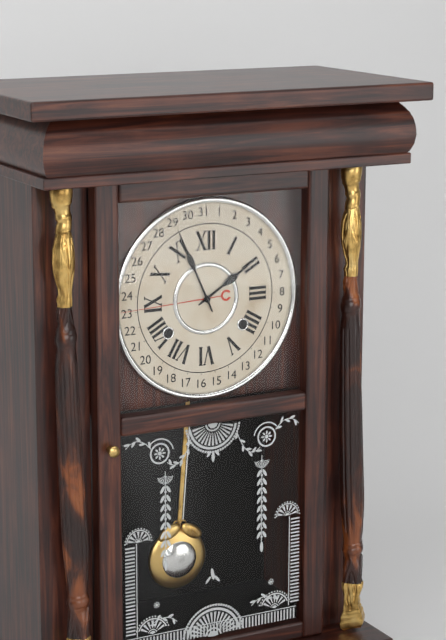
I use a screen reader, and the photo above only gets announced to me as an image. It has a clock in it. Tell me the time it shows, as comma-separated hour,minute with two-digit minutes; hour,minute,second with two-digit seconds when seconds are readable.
1,56
